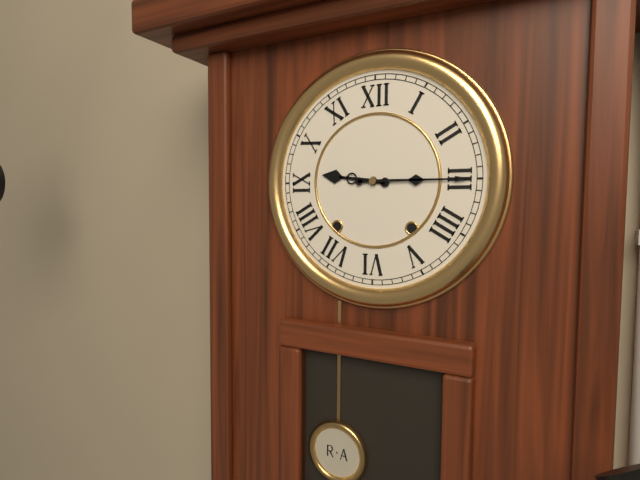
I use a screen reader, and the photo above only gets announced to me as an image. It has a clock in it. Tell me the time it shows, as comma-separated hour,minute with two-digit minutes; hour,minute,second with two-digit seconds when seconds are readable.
9,15
